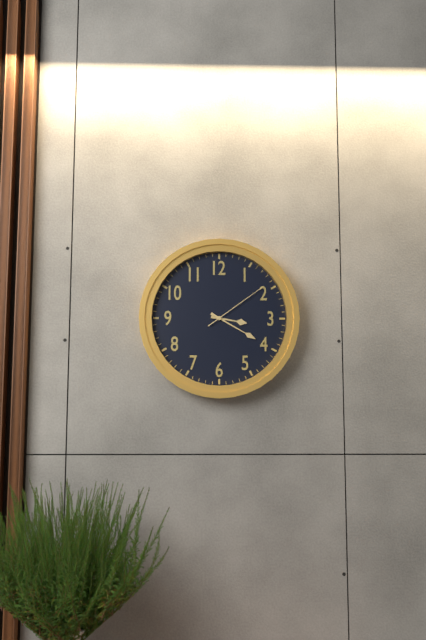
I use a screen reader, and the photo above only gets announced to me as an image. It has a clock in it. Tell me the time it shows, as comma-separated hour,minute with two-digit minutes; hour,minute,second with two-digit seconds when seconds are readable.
3,20,09
